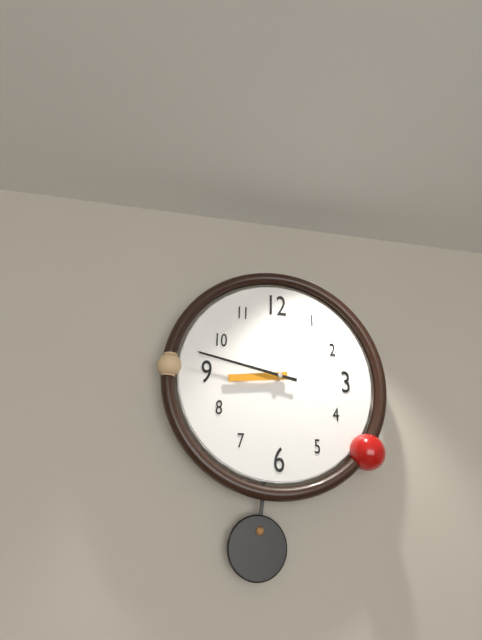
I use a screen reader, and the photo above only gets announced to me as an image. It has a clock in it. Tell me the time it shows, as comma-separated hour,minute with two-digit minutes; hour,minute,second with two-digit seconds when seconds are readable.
8,47
